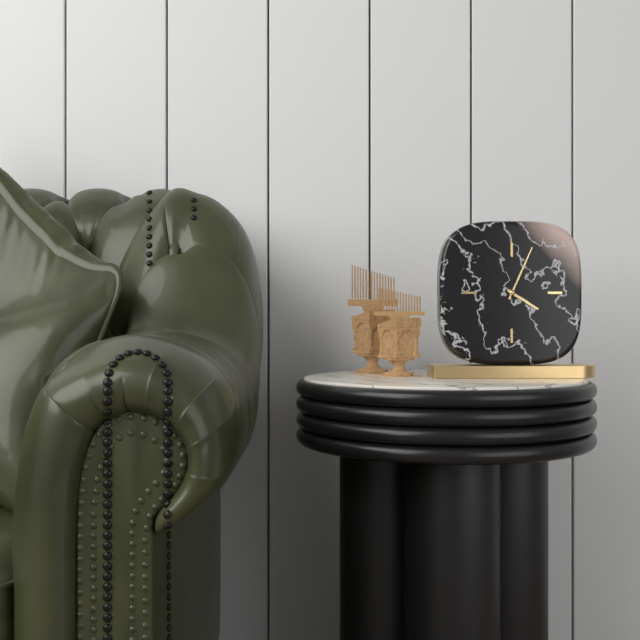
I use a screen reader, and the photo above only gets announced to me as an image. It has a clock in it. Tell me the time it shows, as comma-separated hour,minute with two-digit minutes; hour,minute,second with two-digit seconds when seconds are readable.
4,04
